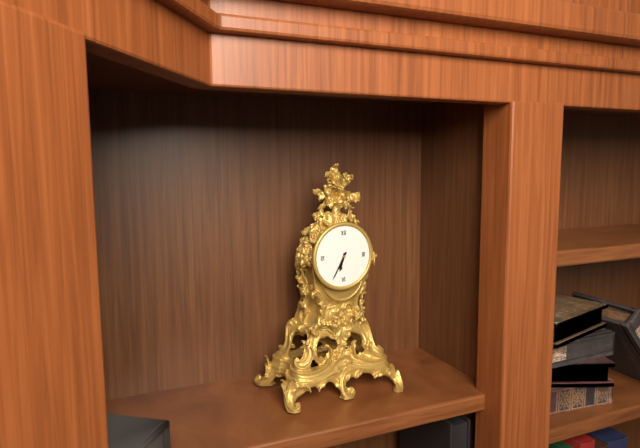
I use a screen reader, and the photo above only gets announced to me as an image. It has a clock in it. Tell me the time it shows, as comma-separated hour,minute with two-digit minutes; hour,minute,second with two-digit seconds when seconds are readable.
6,35
